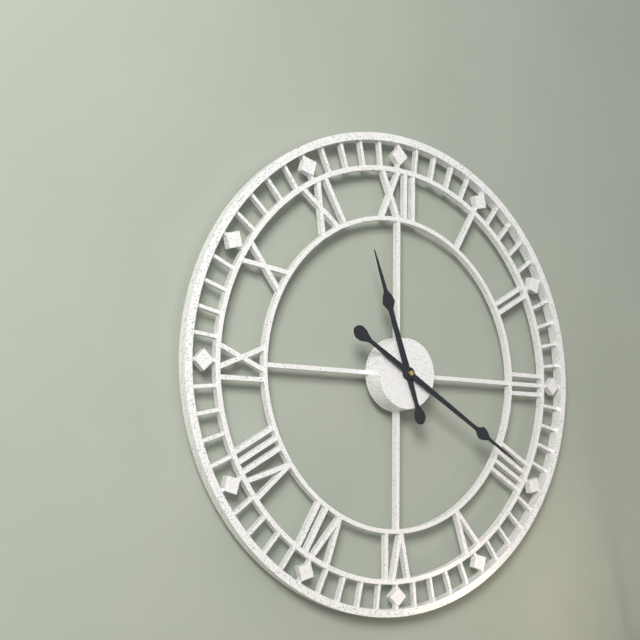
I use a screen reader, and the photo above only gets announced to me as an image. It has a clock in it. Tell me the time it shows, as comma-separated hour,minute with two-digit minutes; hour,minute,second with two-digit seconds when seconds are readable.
11,20
